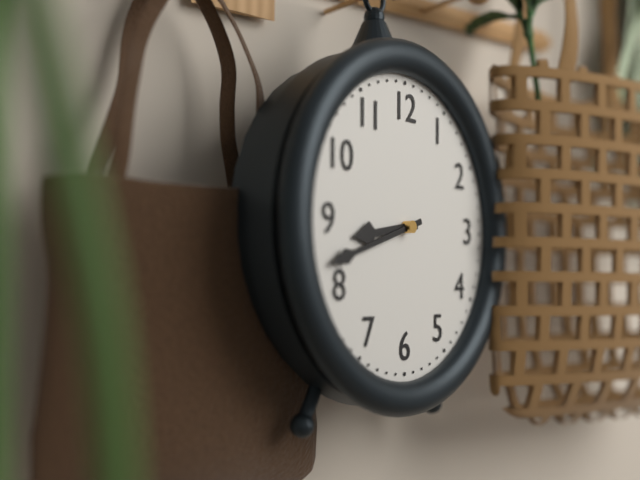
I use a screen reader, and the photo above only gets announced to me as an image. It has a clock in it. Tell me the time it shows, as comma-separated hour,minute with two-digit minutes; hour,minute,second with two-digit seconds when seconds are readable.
8,42
